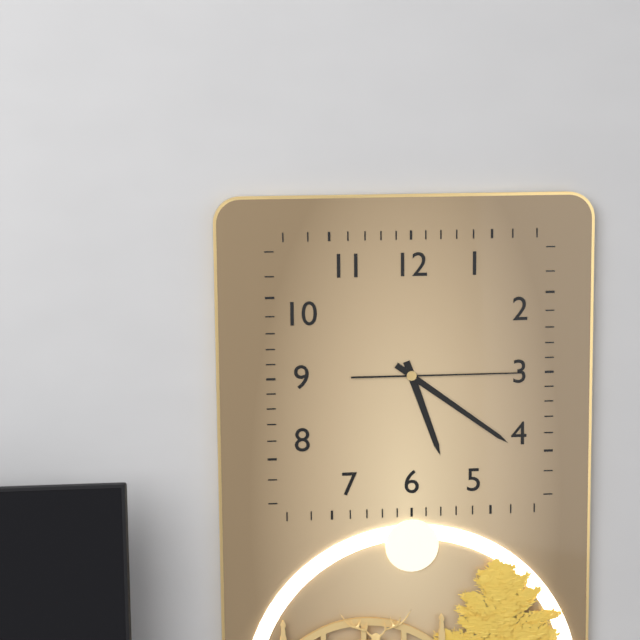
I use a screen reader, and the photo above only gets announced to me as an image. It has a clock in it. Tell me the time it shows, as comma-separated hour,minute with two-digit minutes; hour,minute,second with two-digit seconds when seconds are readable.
5,21,15
